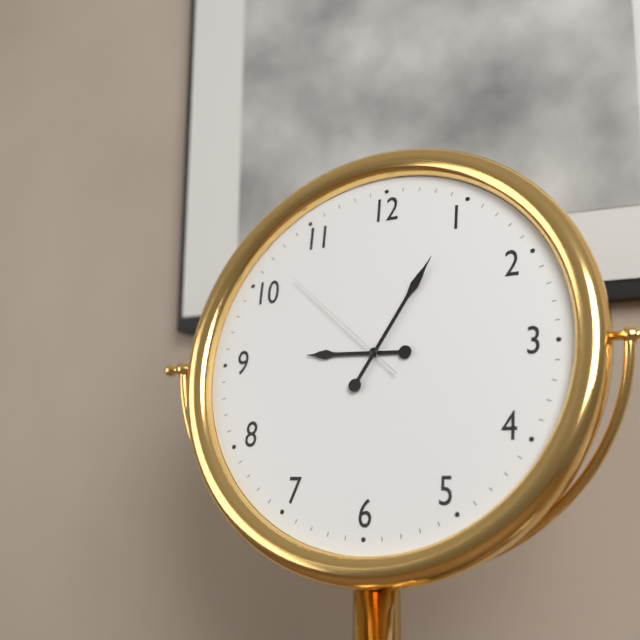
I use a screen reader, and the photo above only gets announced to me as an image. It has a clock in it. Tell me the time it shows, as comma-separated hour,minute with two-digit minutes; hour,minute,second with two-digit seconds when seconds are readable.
9,05,52
